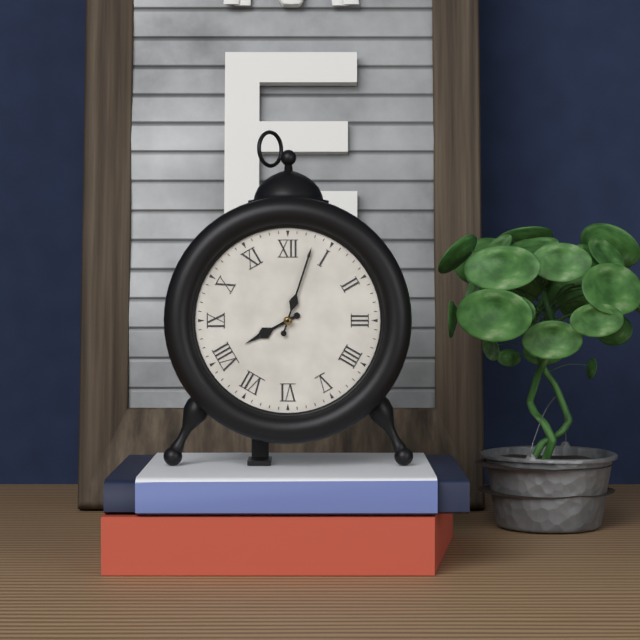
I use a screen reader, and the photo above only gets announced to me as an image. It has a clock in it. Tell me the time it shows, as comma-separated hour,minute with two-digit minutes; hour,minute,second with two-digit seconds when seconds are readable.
8,03
